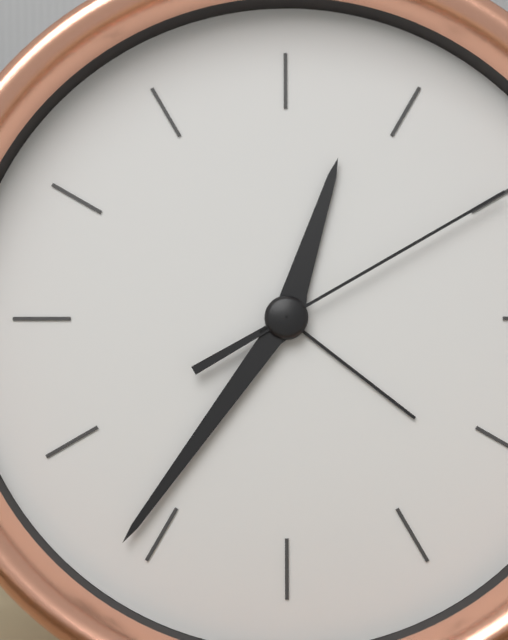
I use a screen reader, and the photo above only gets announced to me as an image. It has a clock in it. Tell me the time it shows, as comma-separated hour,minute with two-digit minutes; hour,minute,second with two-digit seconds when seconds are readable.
12,36,10
